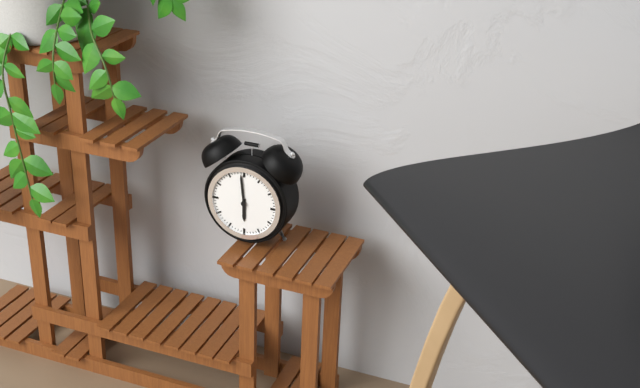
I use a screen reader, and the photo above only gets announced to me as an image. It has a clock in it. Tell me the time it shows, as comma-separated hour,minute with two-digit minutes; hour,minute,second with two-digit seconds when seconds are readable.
5,59
